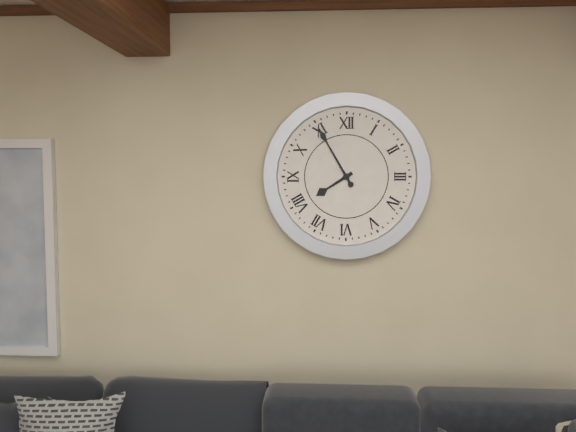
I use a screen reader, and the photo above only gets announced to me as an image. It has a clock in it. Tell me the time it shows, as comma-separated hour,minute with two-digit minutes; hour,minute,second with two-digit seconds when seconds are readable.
7,55
